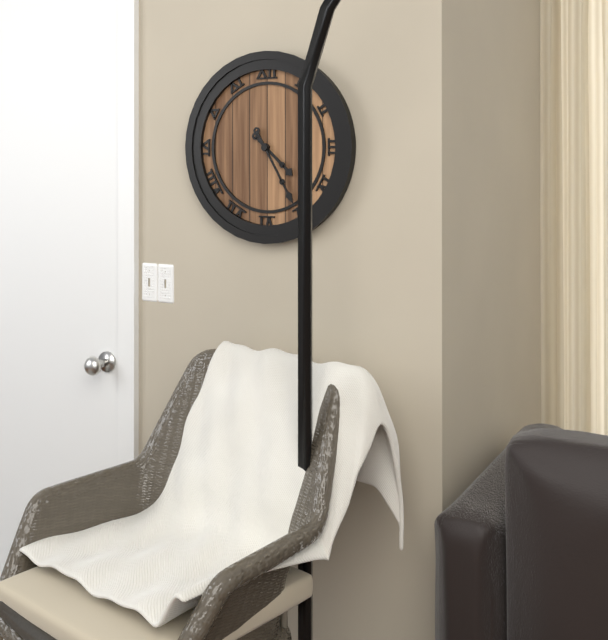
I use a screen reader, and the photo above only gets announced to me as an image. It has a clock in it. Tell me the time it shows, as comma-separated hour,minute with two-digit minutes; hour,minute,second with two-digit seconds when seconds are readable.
4,25
